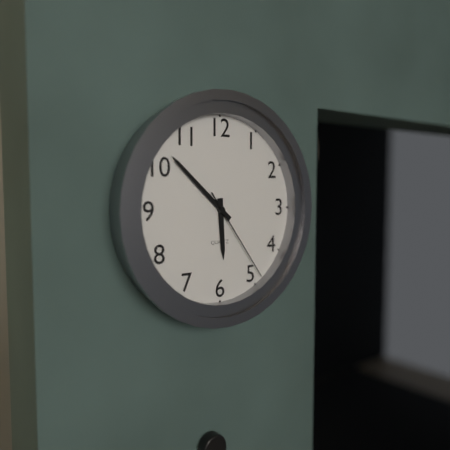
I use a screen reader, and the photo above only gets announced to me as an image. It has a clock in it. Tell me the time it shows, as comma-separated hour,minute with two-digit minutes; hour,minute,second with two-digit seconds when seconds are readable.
5,52,24
